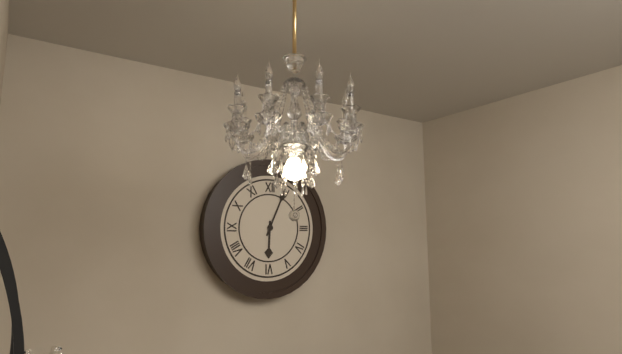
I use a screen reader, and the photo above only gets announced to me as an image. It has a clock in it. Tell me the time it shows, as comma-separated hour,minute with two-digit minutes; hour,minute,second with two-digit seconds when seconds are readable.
6,04
